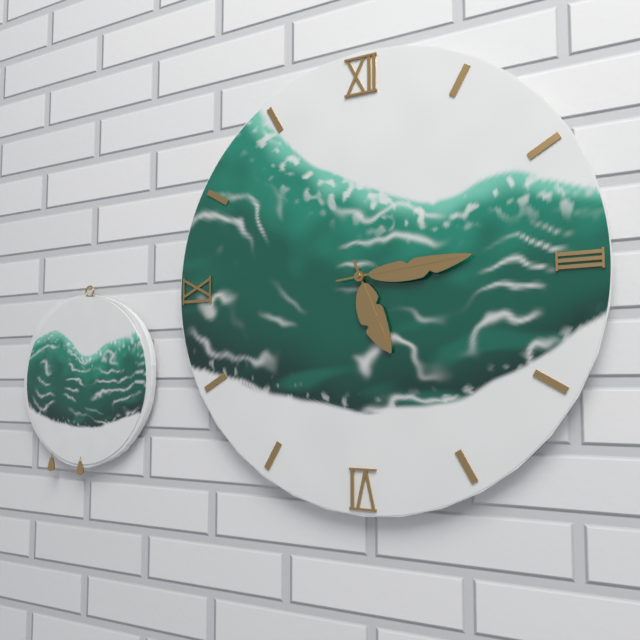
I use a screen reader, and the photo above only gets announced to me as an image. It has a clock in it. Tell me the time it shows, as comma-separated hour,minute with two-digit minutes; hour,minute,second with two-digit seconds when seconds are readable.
5,14
